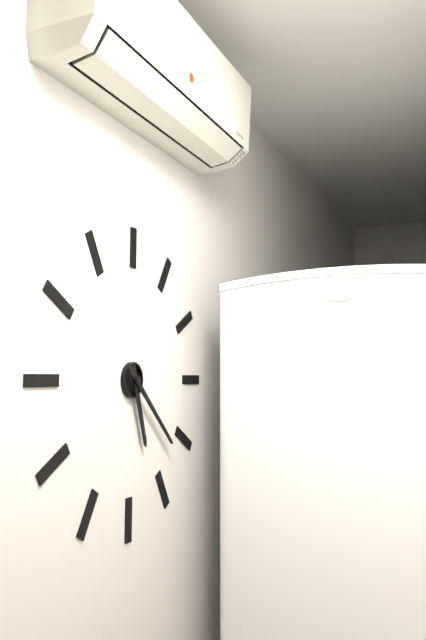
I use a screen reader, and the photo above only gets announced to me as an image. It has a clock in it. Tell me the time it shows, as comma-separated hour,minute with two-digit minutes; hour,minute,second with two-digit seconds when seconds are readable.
5,22
